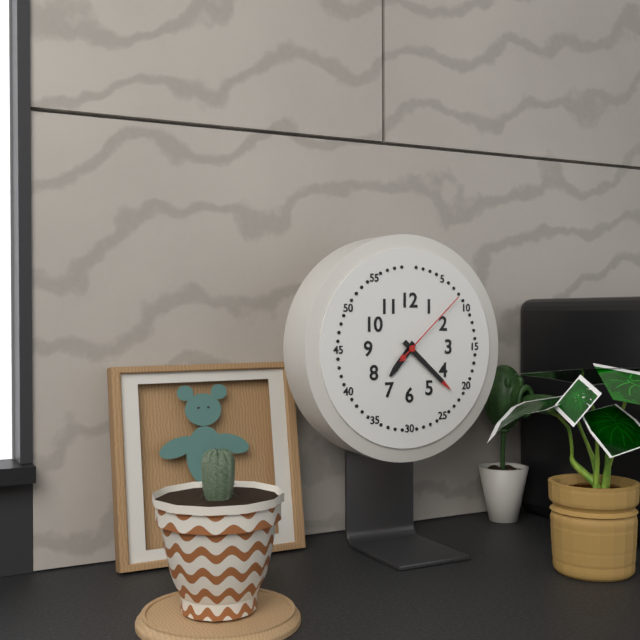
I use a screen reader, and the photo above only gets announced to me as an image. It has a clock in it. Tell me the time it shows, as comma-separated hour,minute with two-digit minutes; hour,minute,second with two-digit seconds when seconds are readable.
7,22,08
